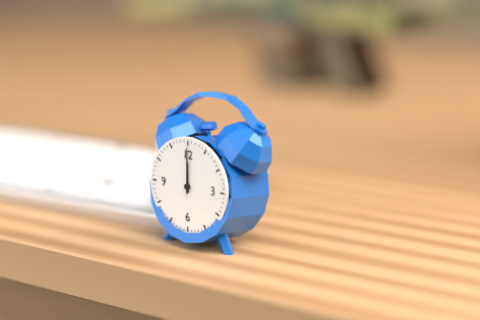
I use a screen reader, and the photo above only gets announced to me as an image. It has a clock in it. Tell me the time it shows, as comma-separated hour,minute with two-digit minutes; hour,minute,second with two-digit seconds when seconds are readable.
12,00
